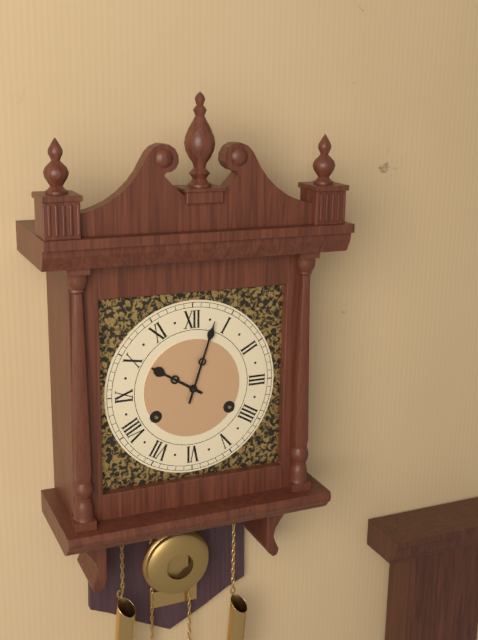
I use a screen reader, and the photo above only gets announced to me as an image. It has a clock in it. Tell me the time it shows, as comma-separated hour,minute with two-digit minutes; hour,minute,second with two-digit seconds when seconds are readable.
10,03
